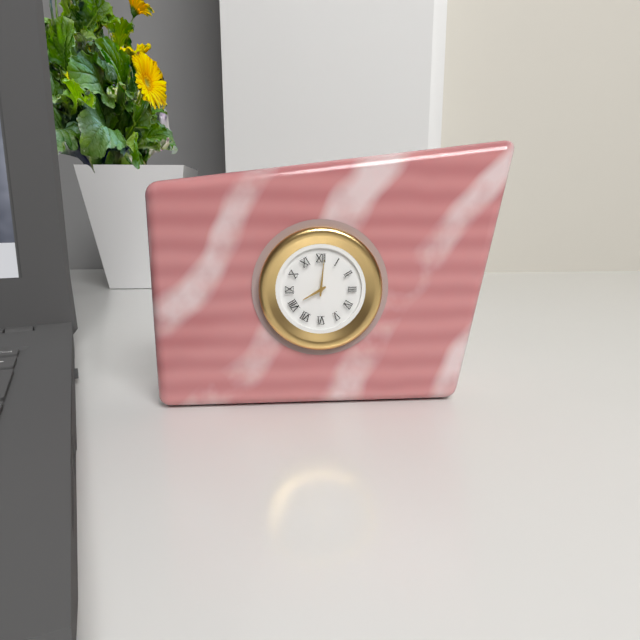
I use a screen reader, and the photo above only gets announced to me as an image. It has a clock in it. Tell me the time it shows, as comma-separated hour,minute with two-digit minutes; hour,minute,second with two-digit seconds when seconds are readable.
8,01
